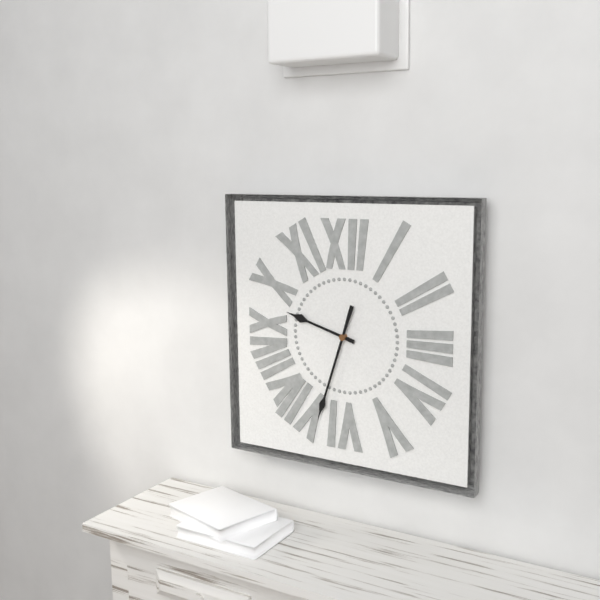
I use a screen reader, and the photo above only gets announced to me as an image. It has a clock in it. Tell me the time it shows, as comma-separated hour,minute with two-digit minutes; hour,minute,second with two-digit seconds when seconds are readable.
9,33
